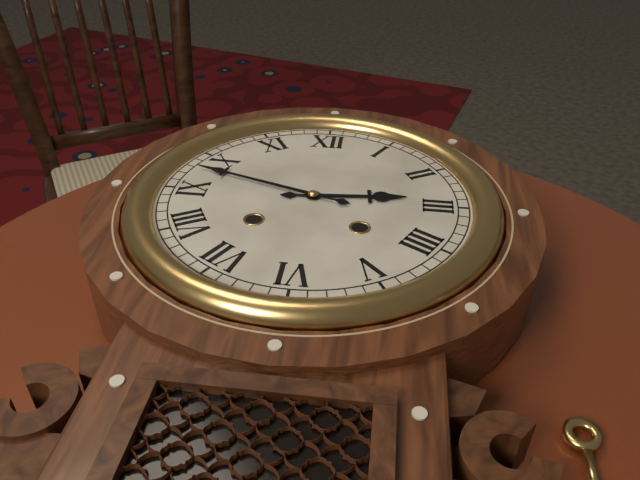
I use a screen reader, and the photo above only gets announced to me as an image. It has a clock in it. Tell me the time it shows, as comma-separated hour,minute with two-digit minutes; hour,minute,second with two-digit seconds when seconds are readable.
2,48
